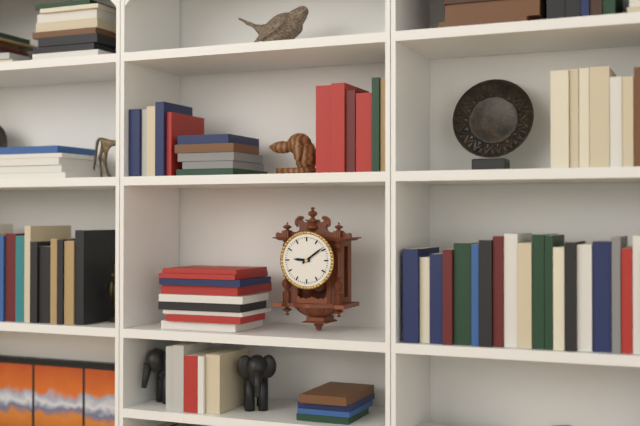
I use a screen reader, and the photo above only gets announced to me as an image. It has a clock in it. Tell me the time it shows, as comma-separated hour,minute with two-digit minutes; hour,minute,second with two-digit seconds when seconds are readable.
9,09
